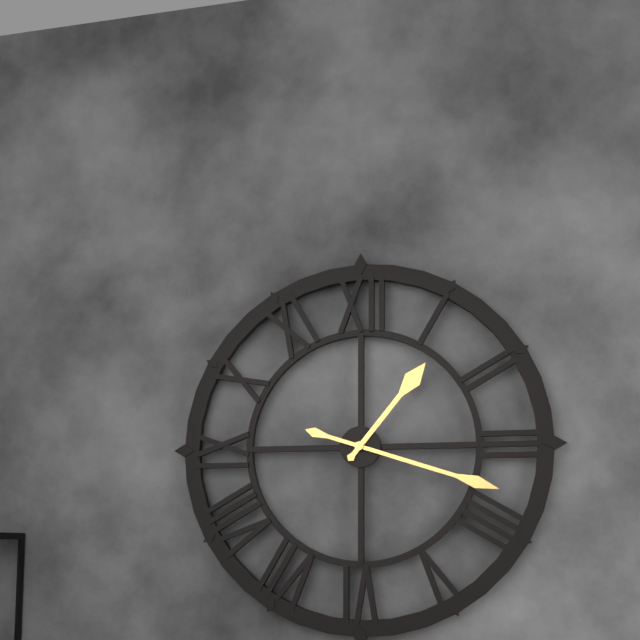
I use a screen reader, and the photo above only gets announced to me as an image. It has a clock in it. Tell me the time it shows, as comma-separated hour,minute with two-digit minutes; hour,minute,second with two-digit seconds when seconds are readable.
1,18
